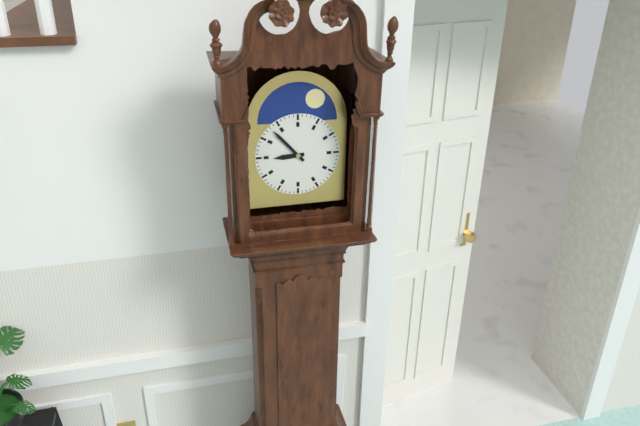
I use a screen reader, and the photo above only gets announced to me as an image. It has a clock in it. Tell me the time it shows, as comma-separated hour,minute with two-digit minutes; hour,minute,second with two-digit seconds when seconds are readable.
8,53
